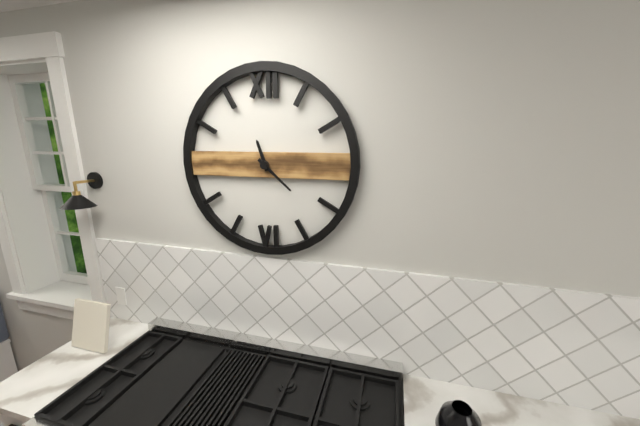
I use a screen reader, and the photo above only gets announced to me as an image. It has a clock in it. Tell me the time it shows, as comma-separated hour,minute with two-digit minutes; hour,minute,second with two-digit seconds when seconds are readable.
11,22
